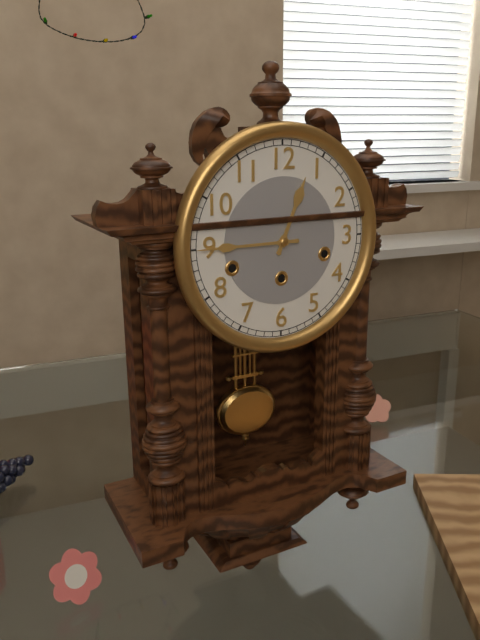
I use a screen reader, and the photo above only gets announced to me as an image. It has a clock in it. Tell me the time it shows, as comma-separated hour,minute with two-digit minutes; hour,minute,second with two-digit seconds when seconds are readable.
12,45
